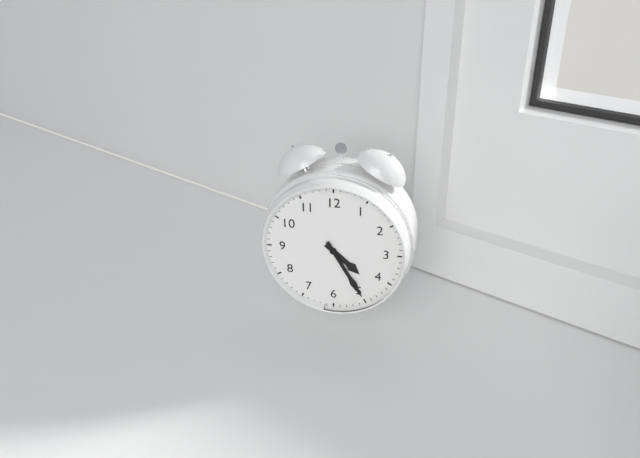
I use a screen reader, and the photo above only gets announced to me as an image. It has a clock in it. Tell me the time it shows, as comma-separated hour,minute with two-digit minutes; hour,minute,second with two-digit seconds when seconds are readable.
4,25
